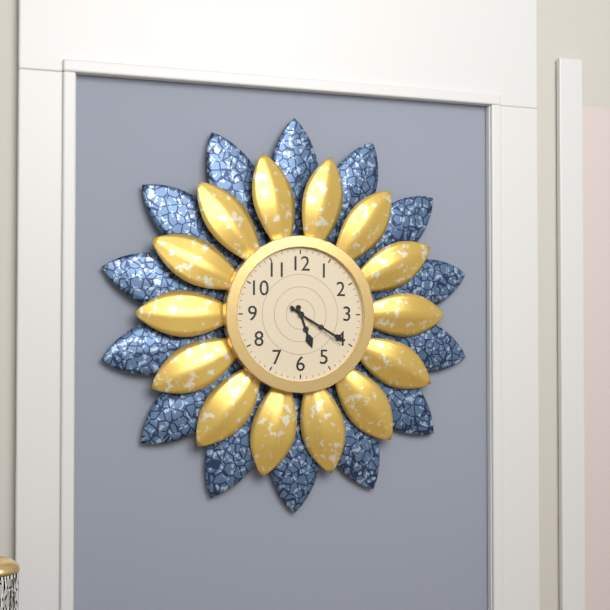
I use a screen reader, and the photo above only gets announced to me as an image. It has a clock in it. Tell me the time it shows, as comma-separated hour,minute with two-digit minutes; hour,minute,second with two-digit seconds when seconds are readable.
5,20,21
